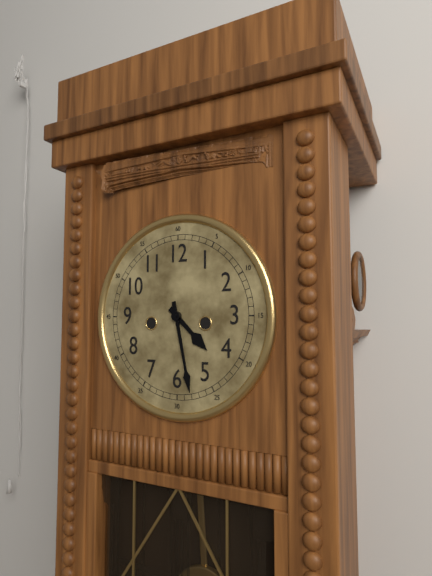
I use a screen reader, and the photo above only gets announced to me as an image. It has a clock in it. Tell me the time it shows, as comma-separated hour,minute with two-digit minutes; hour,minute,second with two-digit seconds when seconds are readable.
4,28
